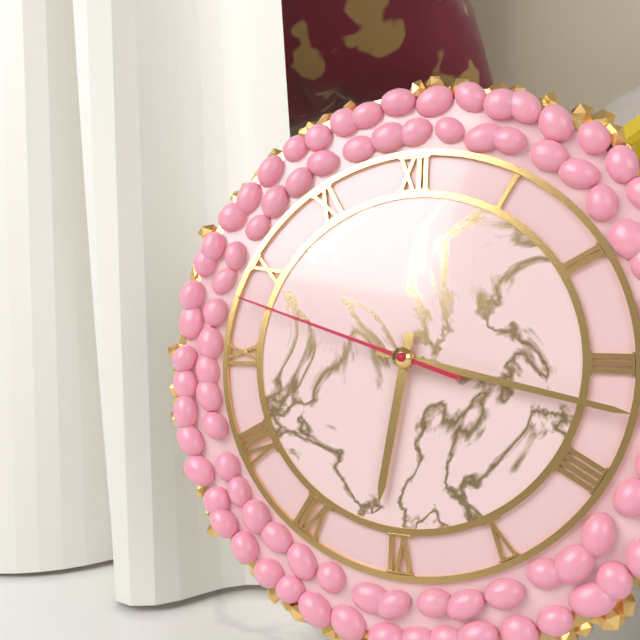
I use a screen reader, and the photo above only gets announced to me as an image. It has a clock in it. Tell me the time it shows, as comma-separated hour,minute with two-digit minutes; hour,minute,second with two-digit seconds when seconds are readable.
6,17,48
